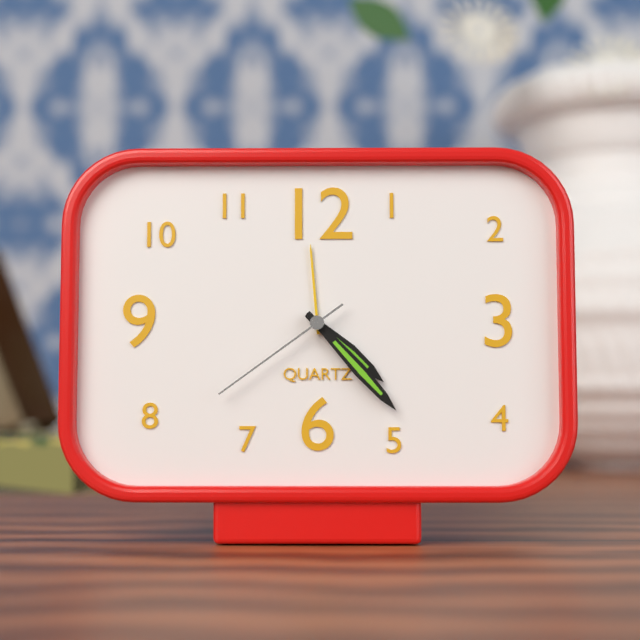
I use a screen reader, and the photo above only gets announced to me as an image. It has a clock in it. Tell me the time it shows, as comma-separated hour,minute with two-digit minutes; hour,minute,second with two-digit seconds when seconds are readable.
4,23,39
